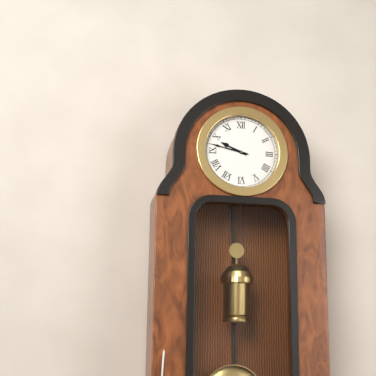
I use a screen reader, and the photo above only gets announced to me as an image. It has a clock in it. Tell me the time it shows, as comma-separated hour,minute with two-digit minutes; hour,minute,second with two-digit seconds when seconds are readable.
9,47
